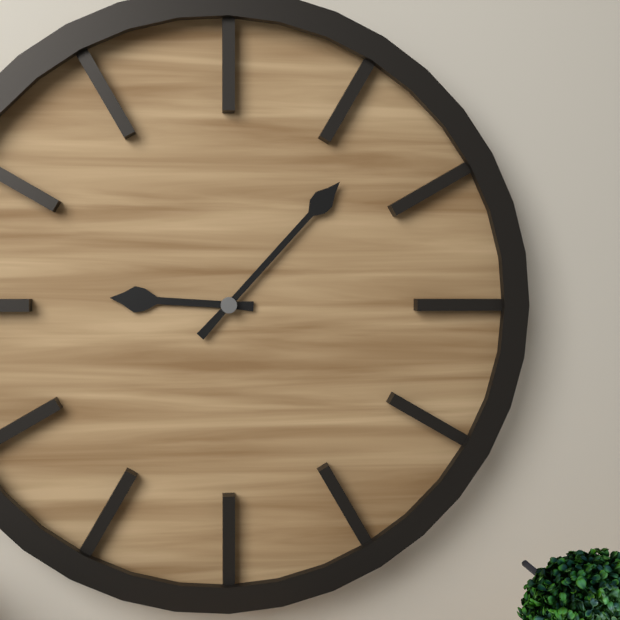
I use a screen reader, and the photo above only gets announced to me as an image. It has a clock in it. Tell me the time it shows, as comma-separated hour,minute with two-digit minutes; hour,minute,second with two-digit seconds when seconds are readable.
9,07
